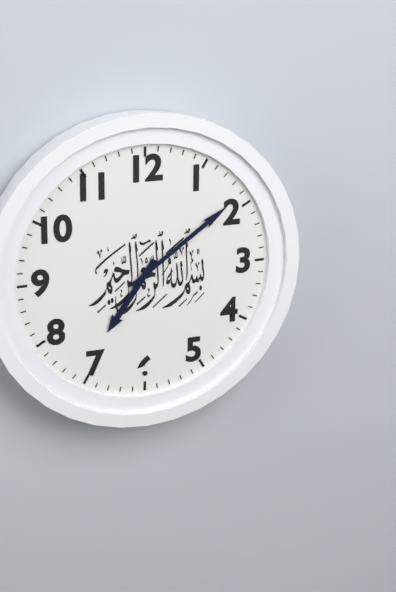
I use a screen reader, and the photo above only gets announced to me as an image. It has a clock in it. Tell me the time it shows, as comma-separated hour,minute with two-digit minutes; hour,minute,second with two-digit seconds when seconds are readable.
7,09
